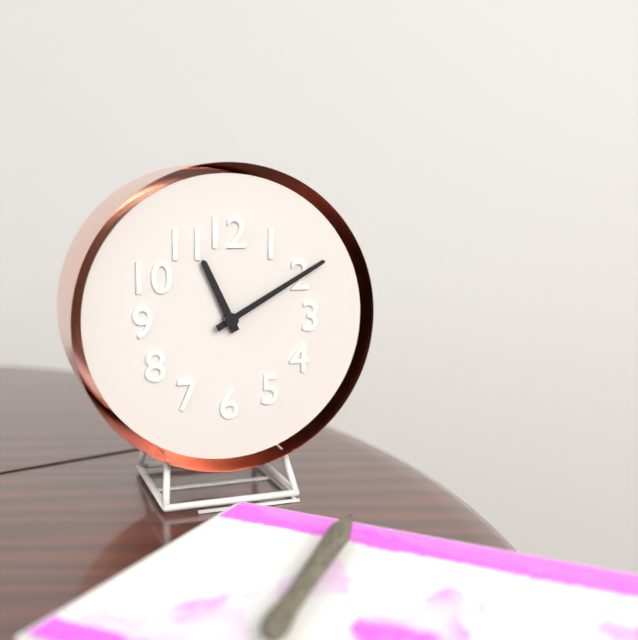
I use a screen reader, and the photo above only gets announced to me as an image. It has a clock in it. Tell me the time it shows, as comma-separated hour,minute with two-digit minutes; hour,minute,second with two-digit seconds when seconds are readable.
11,10
